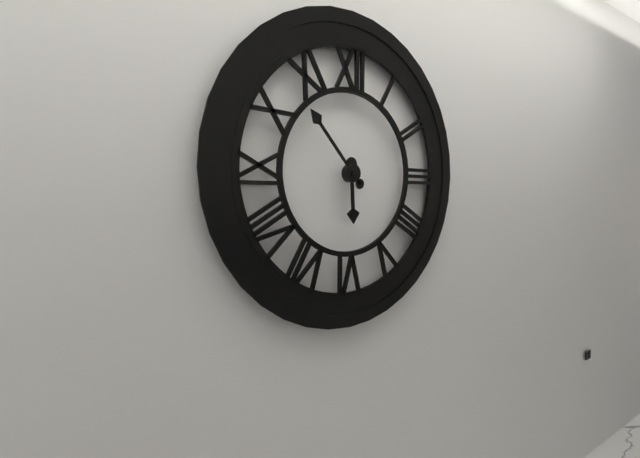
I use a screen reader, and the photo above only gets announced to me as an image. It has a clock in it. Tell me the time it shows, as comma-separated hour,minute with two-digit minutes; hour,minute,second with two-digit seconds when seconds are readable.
5,53
